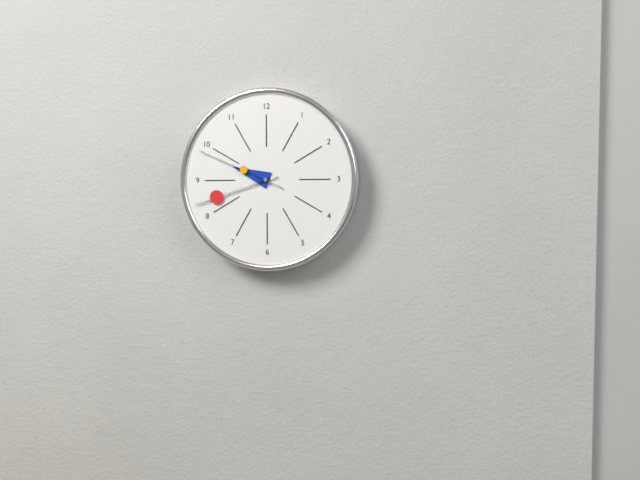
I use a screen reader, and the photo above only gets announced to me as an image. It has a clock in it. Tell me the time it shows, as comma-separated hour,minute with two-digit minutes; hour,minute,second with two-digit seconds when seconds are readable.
9,42,49
